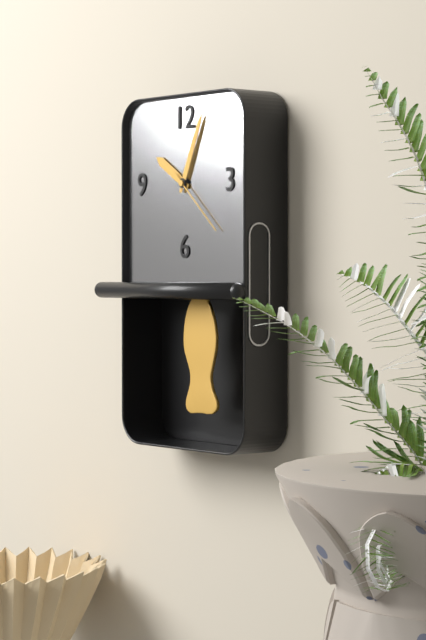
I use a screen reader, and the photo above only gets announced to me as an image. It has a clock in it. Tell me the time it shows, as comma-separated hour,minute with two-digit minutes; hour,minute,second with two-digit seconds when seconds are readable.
10,04,22
